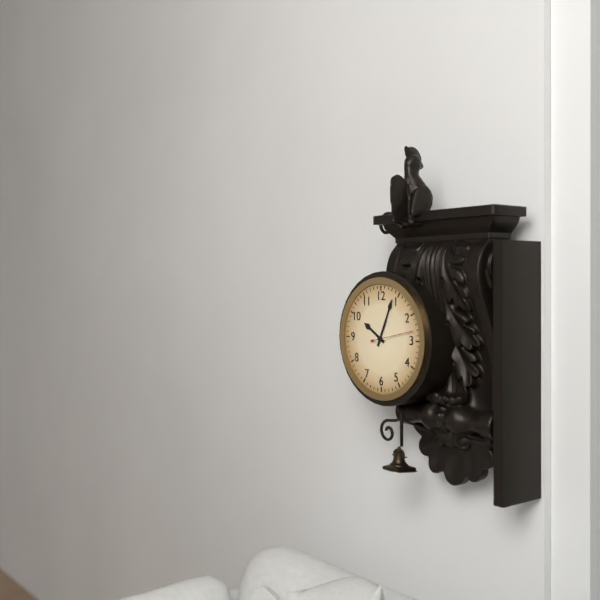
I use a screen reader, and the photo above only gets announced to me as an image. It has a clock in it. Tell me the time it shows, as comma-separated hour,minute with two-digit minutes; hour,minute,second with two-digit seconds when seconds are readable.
10,04
